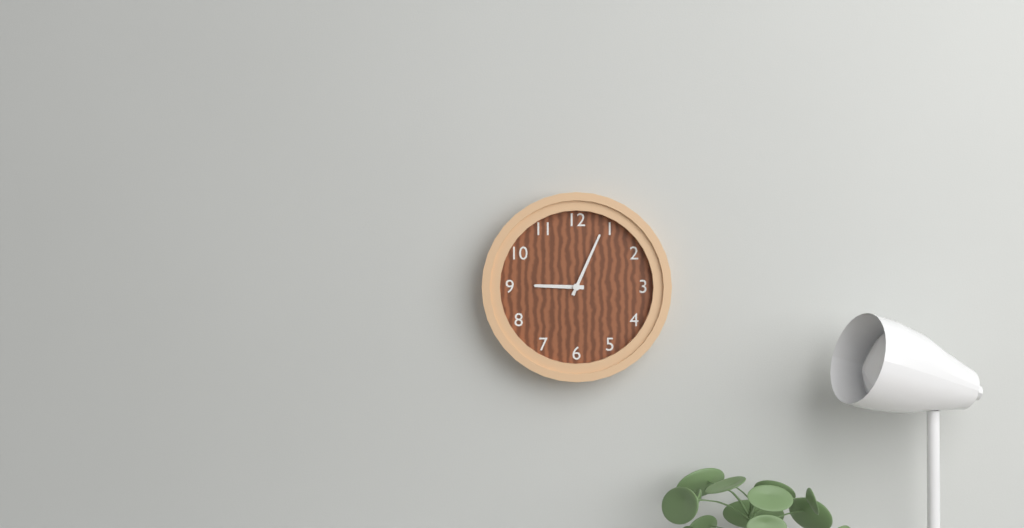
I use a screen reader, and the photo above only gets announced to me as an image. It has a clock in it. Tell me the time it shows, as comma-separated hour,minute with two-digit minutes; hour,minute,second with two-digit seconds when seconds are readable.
9,04
